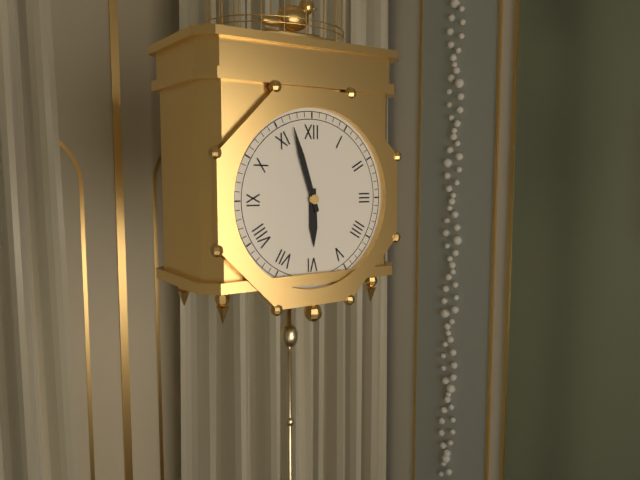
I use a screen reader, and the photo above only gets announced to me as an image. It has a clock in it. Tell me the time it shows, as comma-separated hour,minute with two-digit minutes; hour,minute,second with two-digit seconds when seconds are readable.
5,57
